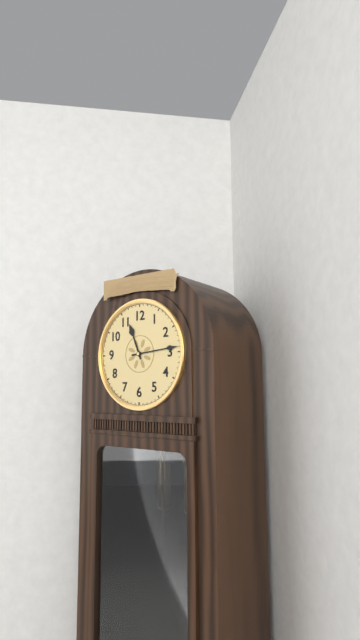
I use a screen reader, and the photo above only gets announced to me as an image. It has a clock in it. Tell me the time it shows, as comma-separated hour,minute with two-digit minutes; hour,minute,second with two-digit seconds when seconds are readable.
11,14
